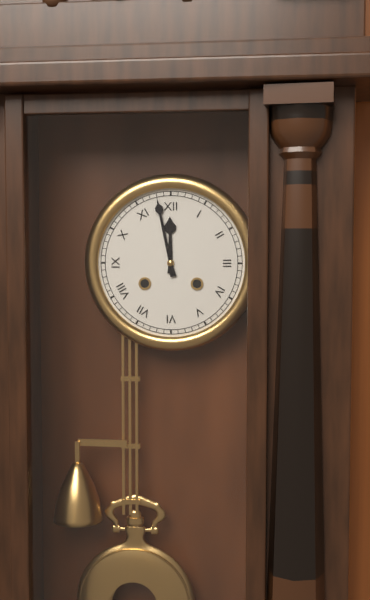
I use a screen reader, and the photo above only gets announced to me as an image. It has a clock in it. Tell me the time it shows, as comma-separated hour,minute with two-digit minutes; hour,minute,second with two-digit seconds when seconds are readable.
11,58
